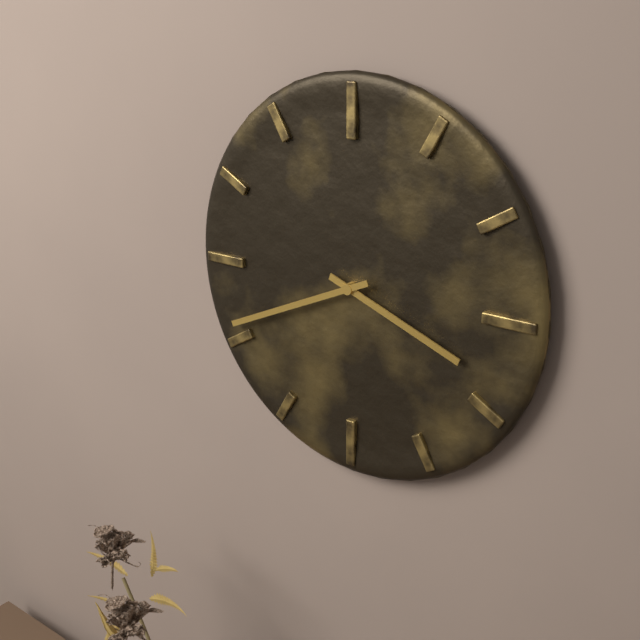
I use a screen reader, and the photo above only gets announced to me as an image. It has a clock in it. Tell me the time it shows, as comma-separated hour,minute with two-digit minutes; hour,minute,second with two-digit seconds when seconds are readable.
3,41
